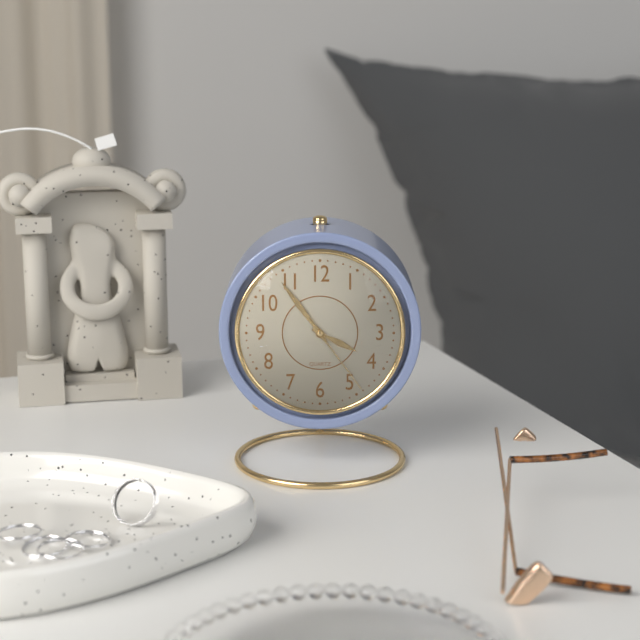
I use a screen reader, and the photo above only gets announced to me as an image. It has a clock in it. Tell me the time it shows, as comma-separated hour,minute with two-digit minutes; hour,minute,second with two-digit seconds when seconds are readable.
3,54,24
